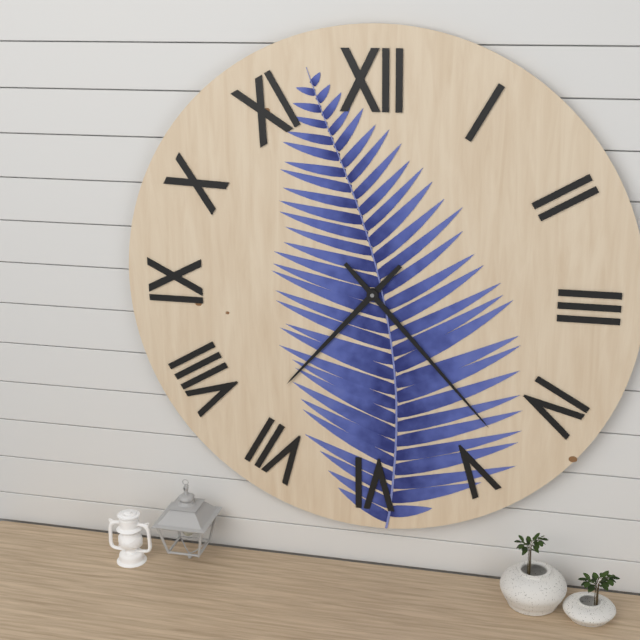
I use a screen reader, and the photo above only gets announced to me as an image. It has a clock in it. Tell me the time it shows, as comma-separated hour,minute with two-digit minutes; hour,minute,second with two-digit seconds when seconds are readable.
7,23
